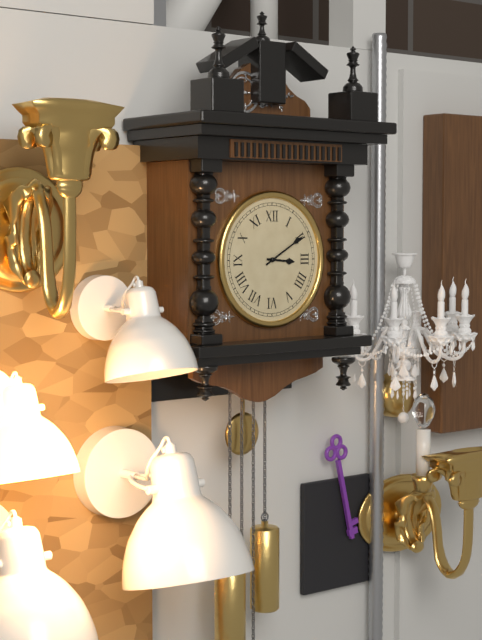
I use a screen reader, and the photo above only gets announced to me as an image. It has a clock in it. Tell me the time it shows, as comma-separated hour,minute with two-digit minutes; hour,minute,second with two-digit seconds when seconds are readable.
3,10
